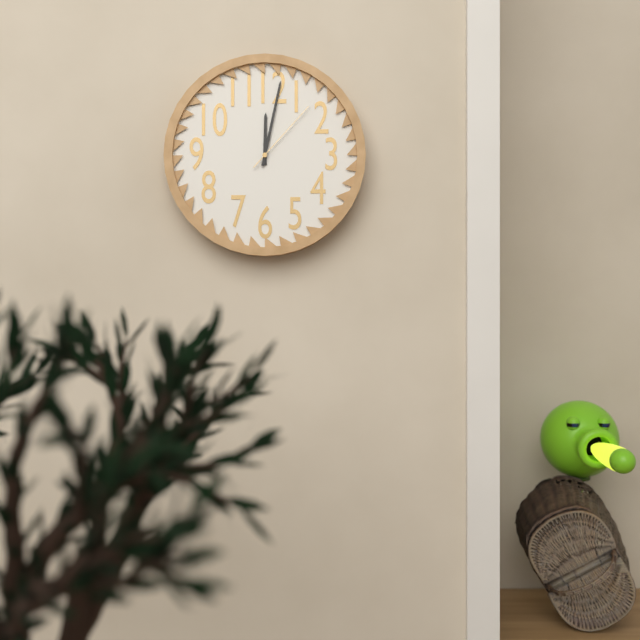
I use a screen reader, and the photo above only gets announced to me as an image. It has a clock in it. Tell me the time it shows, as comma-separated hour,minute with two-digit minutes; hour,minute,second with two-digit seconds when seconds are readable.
12,02,07
